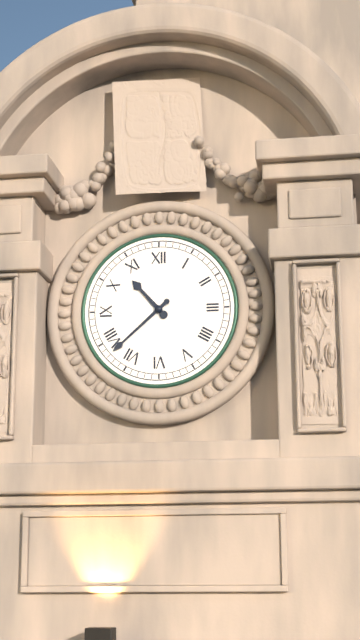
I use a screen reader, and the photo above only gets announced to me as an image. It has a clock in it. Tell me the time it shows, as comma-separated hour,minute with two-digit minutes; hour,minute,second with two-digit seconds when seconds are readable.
10,38
